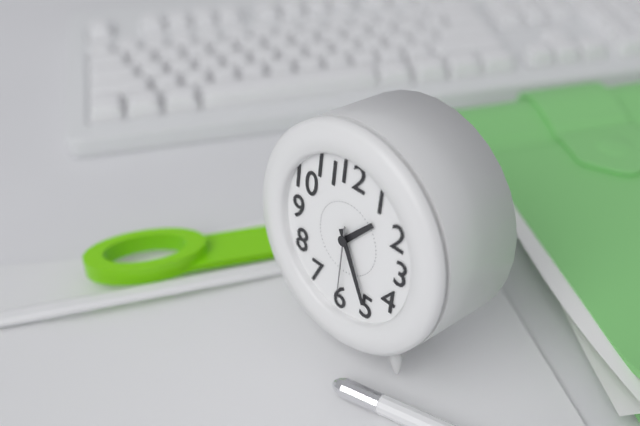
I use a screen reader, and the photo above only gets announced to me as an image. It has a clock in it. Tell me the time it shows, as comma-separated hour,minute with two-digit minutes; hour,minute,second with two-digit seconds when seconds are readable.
1,25,30
